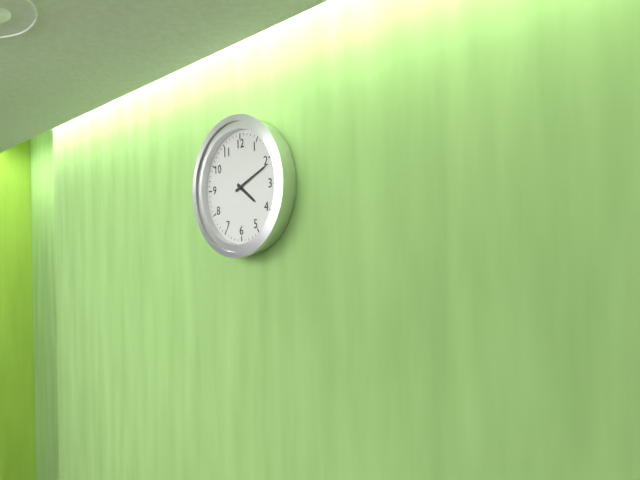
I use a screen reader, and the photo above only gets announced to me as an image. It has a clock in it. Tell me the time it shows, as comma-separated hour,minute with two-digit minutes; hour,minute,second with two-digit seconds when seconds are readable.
4,11
